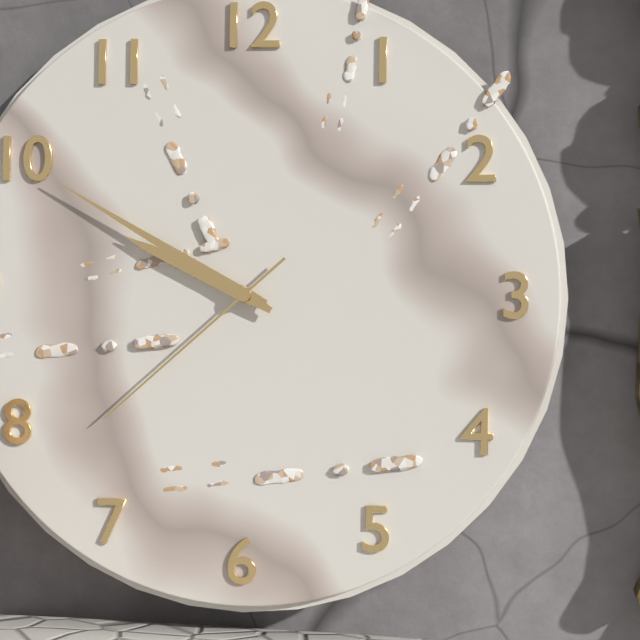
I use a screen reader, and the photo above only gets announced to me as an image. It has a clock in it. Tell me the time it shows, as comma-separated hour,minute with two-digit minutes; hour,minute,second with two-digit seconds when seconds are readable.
9,50,38
